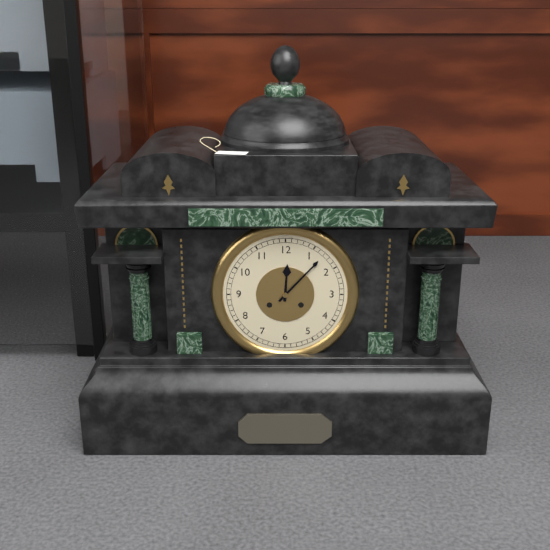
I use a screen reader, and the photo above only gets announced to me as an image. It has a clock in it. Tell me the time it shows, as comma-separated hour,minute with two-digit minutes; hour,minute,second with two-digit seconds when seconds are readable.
12,07
